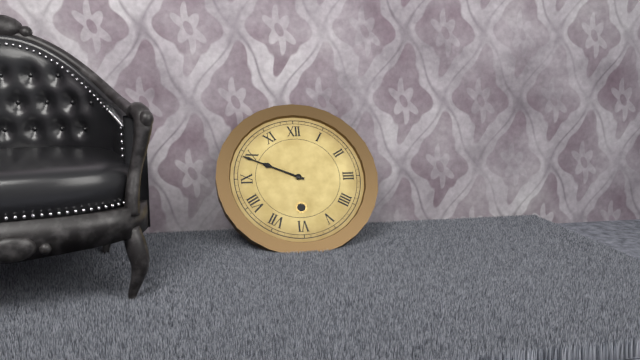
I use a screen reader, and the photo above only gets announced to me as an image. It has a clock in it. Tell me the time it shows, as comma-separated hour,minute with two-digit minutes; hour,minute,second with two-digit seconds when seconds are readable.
9,49
